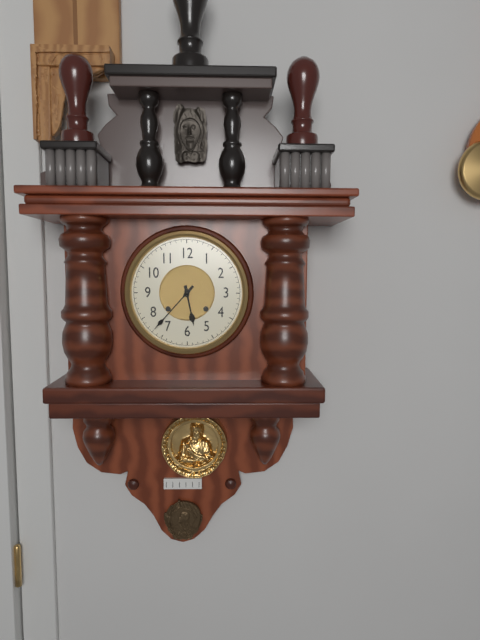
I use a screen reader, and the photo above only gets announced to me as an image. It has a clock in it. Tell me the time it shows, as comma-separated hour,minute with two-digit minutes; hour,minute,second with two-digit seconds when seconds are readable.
5,37
